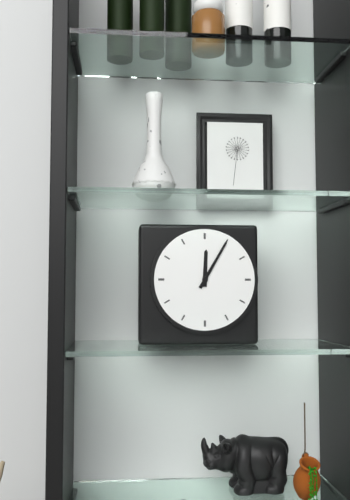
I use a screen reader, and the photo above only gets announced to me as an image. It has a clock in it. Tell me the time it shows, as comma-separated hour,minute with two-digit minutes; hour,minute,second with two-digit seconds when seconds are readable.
12,05
